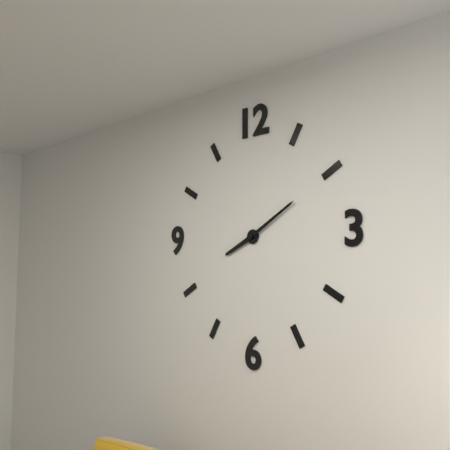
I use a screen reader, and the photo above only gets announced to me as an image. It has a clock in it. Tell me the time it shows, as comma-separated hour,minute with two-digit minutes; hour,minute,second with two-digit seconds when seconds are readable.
8,10
